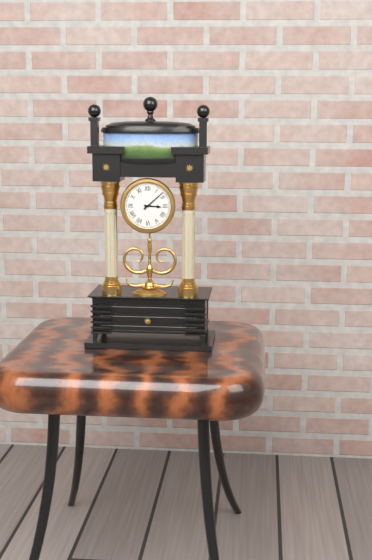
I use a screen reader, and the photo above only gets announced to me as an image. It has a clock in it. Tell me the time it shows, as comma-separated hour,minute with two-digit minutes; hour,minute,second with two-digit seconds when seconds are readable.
3,08
